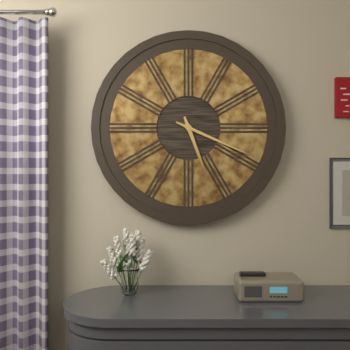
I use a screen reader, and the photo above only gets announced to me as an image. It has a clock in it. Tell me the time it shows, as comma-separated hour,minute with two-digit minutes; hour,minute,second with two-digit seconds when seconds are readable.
5,19
